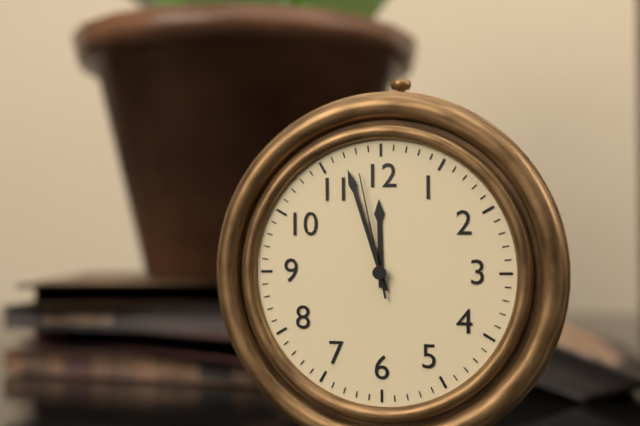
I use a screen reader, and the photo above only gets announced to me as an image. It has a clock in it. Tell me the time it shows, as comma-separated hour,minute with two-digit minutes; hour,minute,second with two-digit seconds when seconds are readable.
11,57,58
